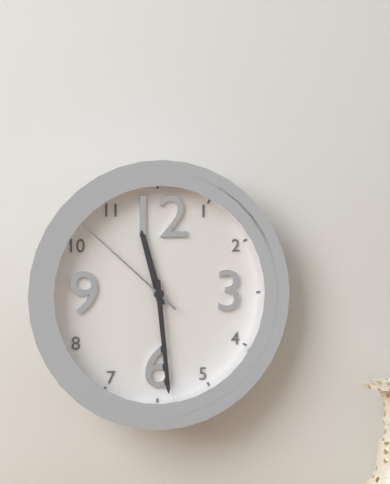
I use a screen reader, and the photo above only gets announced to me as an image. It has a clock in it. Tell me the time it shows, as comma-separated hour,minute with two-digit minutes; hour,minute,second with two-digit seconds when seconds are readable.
11,29,52
